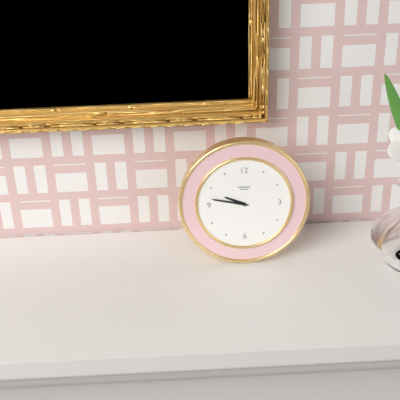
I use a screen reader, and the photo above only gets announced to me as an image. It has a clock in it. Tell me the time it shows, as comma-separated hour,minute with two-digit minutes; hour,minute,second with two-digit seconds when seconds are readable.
9,47
